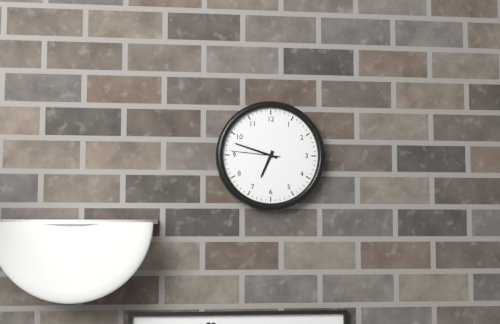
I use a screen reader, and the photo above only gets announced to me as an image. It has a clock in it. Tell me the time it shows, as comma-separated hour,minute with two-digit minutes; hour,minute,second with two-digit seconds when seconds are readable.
6,48,46
